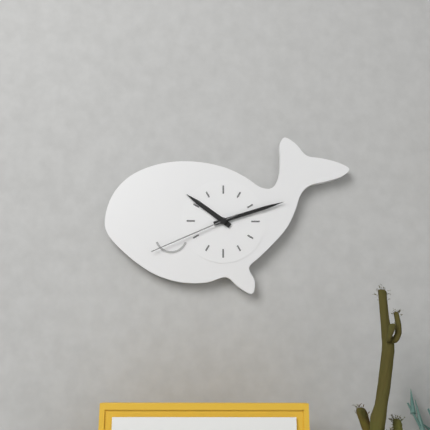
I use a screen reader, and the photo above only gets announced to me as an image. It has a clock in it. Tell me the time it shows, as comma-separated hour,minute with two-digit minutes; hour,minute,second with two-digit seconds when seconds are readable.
10,12,41
